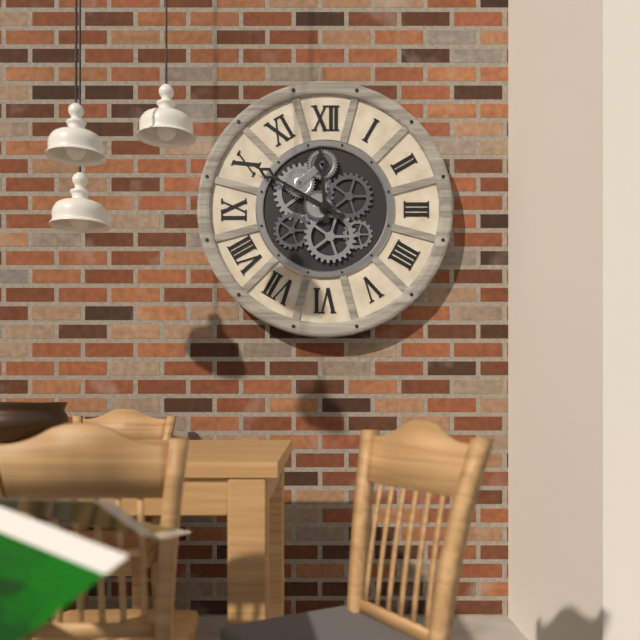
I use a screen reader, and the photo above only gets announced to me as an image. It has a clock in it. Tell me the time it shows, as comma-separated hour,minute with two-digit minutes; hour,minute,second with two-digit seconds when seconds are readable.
11,50
